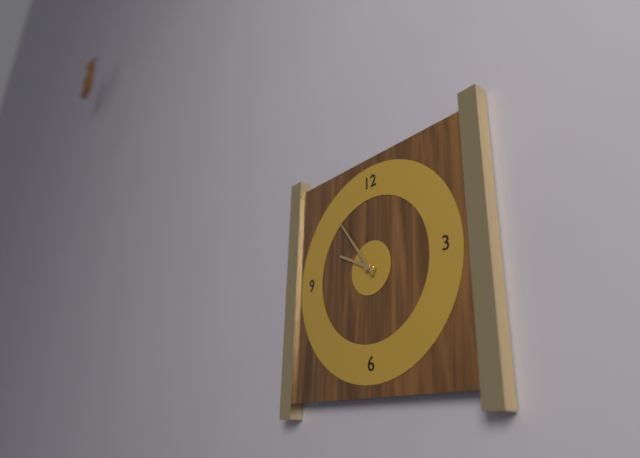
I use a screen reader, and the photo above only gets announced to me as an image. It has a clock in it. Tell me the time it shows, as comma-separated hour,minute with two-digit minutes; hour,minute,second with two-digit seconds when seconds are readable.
9,54
